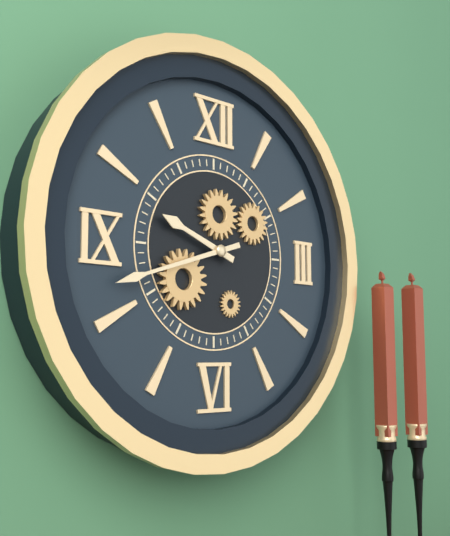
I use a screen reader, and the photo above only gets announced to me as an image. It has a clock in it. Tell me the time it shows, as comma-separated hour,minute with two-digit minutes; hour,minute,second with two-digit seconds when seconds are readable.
9,42
